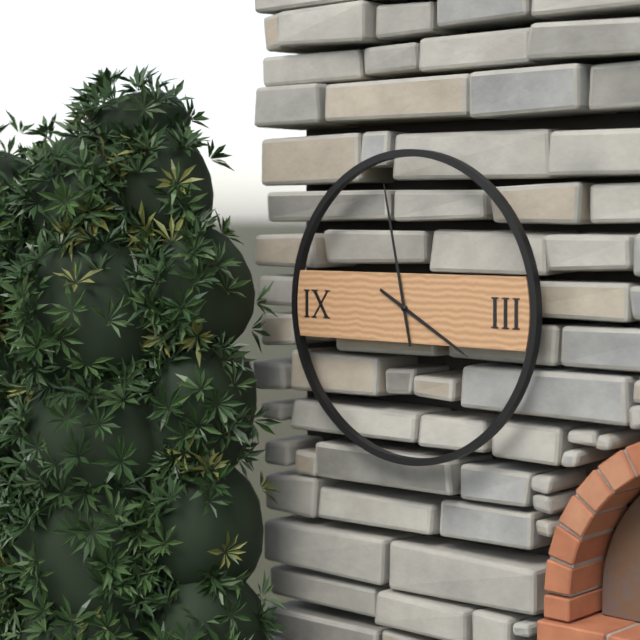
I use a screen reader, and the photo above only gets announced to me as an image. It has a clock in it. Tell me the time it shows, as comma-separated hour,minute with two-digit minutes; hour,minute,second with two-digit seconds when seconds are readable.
3,58
